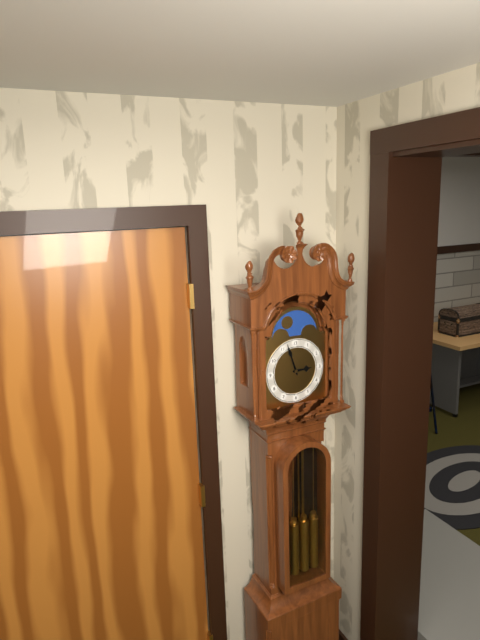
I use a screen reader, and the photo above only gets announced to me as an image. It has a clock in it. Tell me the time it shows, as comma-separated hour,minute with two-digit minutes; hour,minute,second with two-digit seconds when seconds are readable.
2,57
